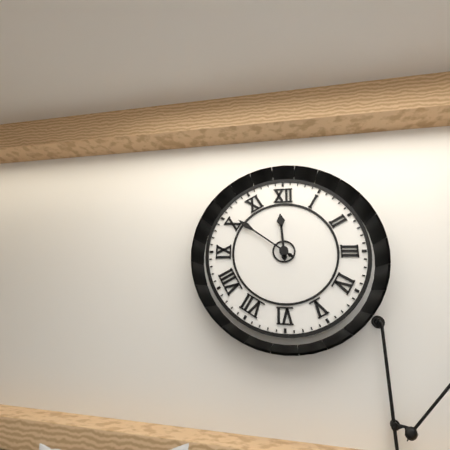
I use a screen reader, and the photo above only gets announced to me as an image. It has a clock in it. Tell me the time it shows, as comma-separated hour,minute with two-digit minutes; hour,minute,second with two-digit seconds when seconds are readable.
11,51
